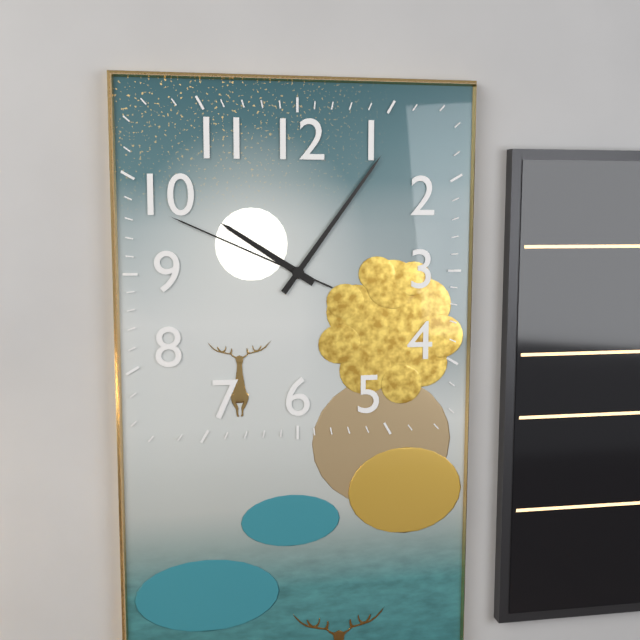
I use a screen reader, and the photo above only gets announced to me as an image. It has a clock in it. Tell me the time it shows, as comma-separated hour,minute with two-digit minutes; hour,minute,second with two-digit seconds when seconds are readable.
10,06,49
